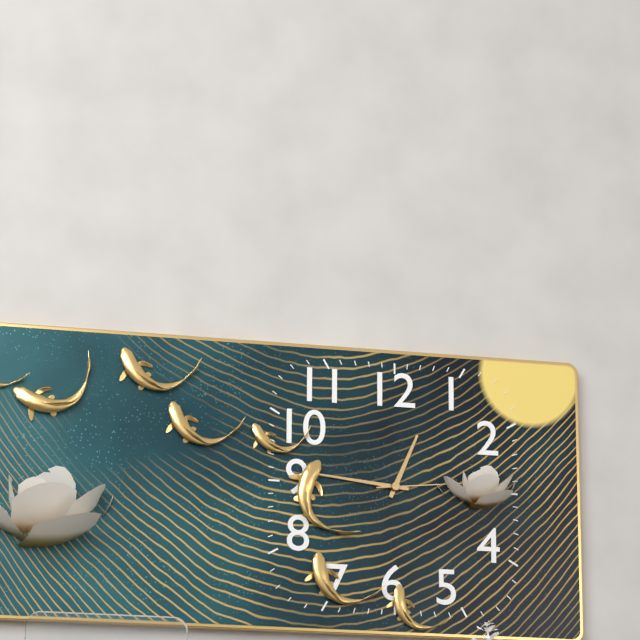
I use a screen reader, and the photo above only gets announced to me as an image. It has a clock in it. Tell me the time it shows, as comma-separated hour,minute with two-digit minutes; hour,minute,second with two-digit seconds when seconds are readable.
12,46,14
